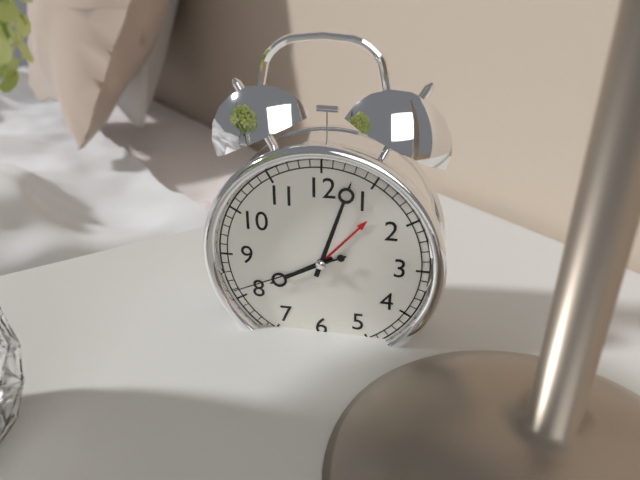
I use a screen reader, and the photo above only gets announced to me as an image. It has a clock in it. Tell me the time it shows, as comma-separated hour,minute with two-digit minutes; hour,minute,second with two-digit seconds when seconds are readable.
8,03,41
